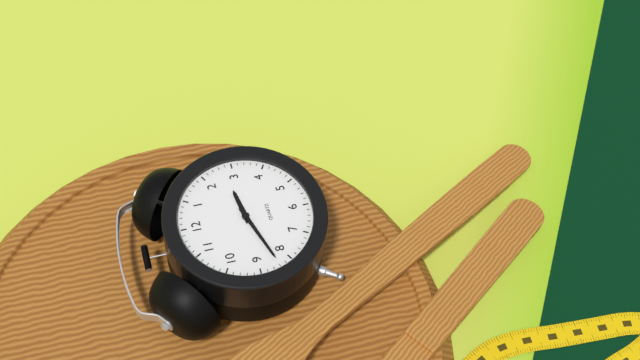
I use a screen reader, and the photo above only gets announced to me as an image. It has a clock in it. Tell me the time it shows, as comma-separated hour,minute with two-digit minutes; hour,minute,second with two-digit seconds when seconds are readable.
2,42
